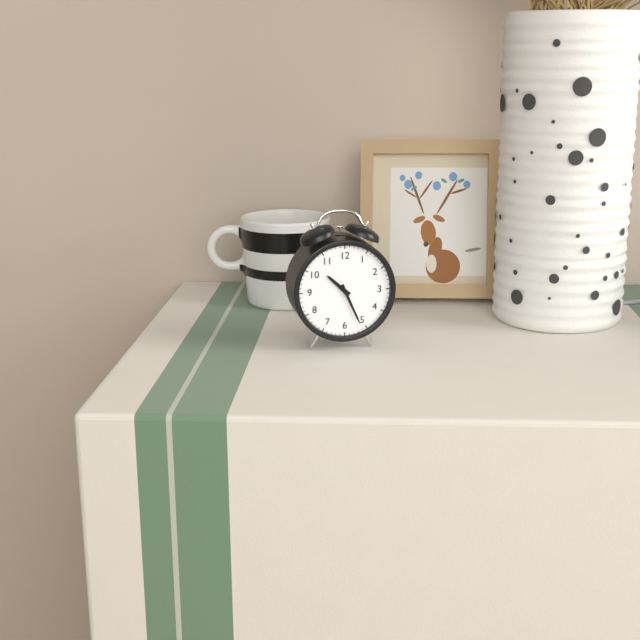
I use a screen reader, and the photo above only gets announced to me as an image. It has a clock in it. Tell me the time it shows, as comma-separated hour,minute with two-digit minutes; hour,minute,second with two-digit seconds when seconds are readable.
10,26
